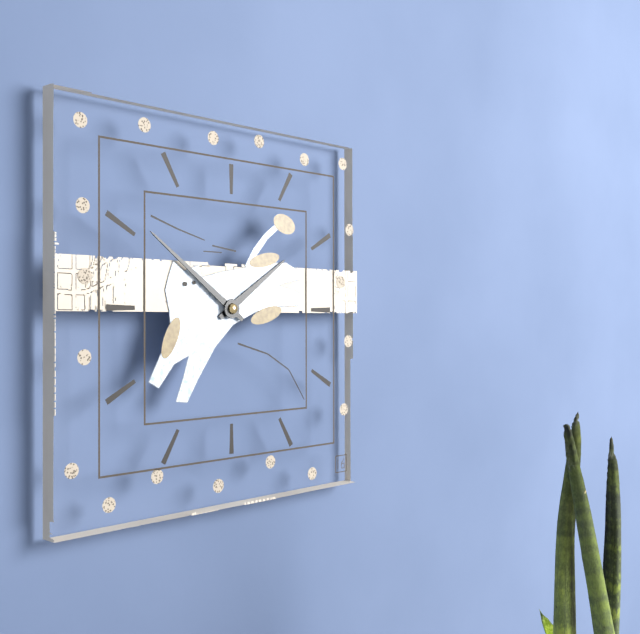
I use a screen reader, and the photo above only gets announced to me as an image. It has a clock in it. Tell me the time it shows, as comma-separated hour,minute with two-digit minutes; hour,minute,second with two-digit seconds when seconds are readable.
1,51
